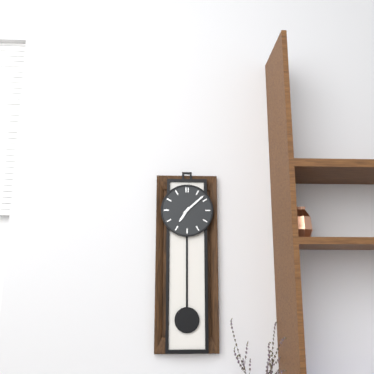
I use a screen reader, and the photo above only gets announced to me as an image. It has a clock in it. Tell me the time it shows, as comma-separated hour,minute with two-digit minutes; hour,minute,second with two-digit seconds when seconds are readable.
7,08
